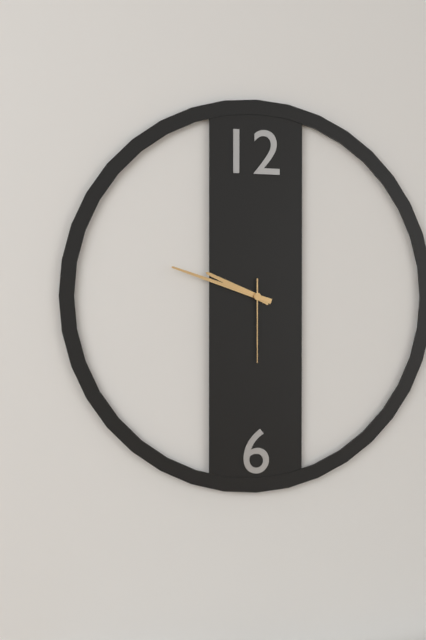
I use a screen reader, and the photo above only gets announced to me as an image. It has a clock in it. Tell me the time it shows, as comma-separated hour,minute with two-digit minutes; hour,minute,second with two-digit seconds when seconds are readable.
9,48,30
